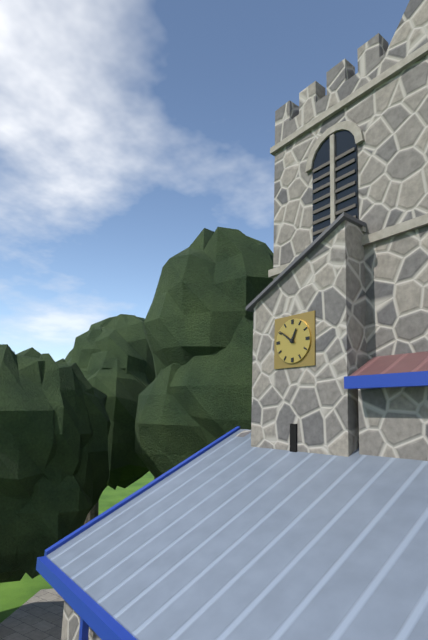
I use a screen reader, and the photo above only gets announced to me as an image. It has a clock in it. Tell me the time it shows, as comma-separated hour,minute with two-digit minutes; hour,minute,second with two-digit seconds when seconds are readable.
12,51
